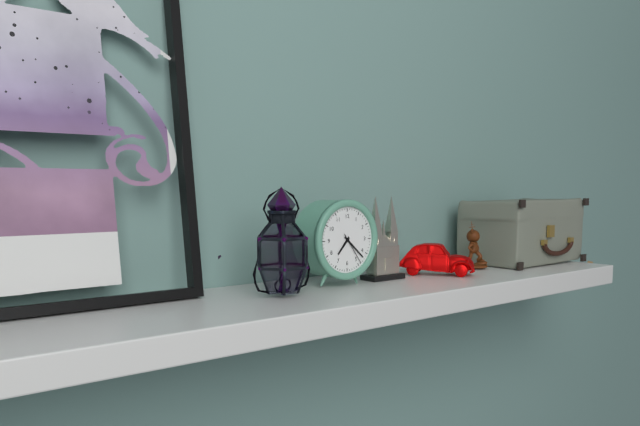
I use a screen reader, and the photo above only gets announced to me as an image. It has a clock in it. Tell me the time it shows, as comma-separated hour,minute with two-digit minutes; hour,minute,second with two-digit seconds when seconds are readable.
7,22
